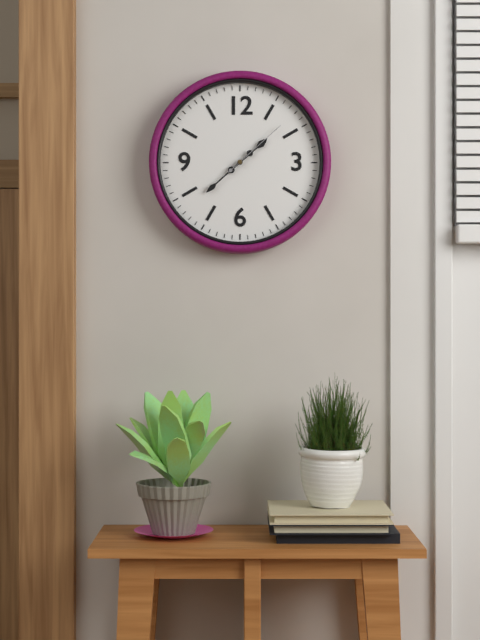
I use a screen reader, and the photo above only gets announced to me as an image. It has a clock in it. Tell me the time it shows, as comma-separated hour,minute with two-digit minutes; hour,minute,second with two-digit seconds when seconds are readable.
1,38,08
